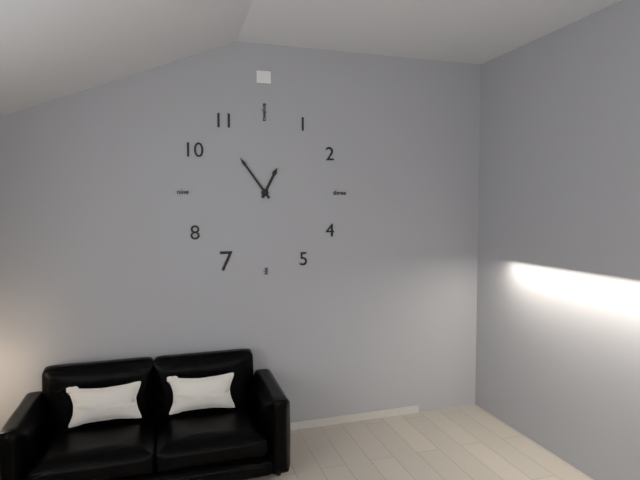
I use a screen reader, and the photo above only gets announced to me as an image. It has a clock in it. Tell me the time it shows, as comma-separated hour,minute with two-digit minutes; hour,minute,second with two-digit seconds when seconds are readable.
12,54
